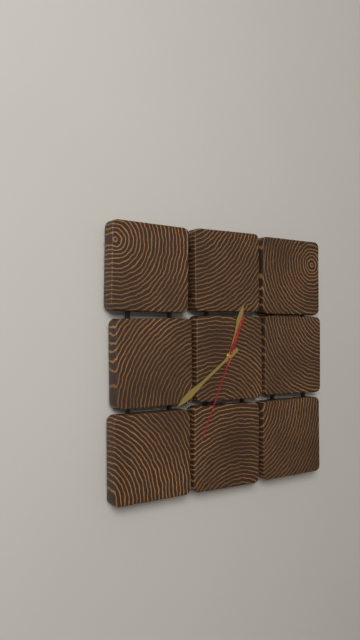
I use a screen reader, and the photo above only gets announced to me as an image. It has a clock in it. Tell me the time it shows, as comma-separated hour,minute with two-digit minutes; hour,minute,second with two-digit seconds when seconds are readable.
12,39,34
